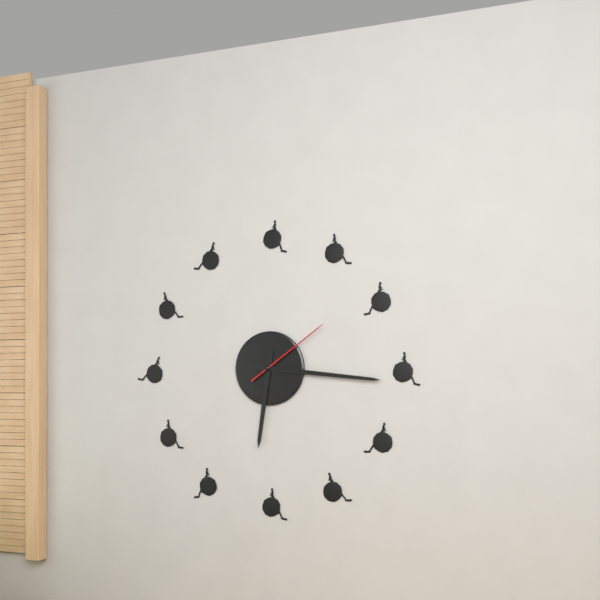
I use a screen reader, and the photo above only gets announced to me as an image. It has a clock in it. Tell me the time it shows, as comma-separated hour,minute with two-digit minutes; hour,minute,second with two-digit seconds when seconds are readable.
6,16,09
